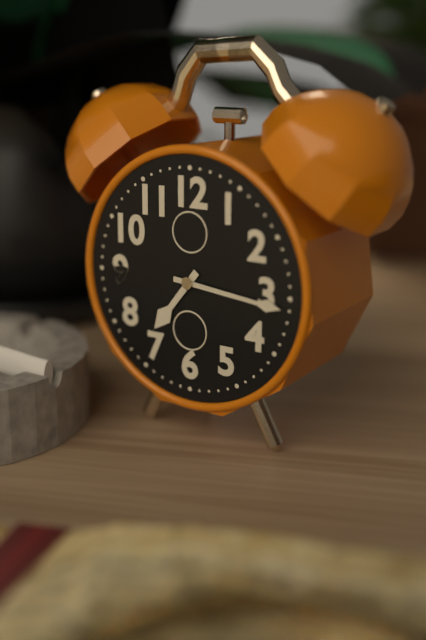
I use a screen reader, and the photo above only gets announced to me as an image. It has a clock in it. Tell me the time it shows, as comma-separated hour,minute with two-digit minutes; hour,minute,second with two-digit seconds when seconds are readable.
7,16
